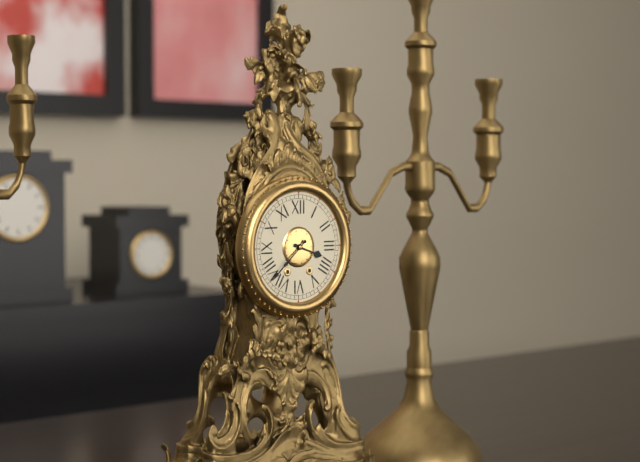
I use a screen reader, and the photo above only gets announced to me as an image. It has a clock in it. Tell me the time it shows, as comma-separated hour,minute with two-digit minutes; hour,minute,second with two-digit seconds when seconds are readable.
3,38
